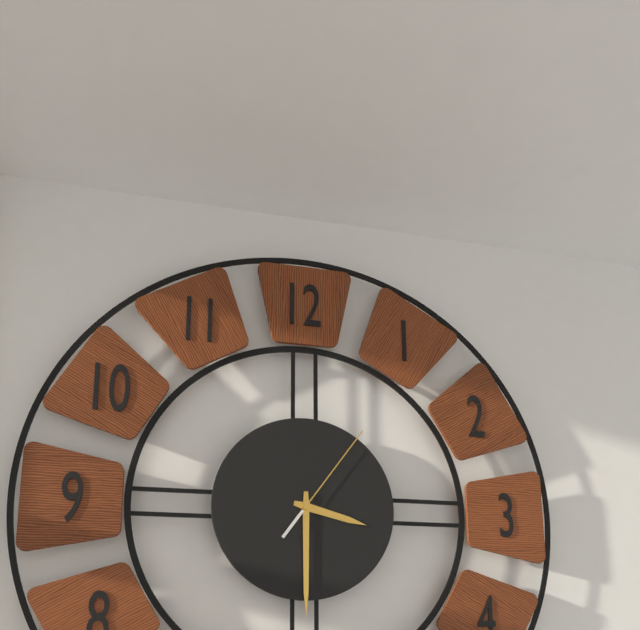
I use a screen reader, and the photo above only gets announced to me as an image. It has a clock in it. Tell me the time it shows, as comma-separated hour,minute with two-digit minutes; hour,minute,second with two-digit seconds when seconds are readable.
3,30,06
